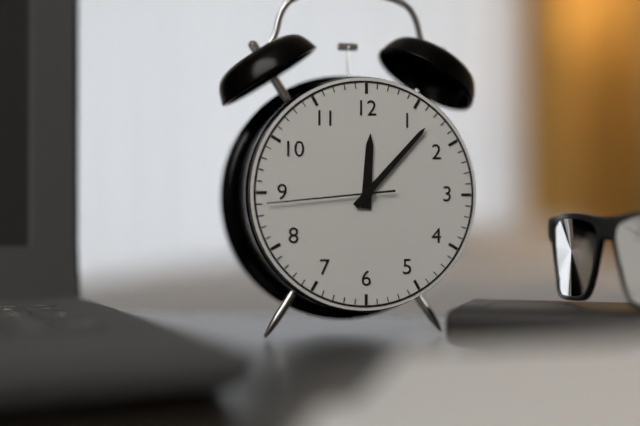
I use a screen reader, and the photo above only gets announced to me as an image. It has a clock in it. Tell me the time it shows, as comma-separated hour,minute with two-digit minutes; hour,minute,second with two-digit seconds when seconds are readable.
12,07,44
